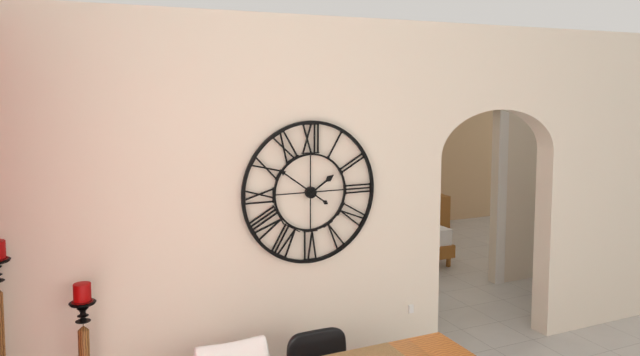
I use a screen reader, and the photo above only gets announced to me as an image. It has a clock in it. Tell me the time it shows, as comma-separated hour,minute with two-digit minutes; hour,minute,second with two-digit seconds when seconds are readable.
1,51
